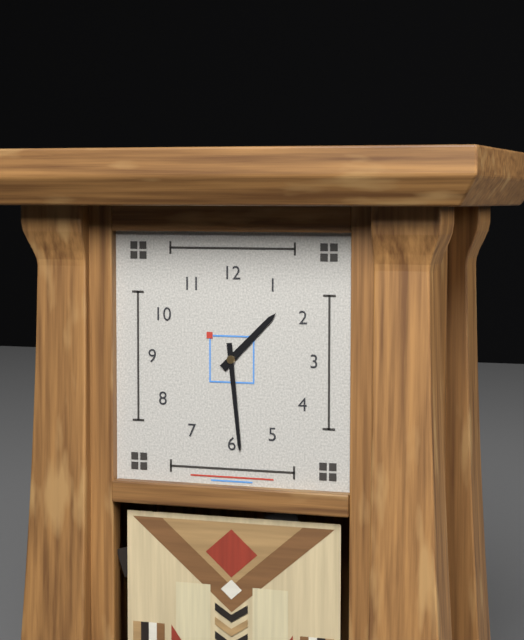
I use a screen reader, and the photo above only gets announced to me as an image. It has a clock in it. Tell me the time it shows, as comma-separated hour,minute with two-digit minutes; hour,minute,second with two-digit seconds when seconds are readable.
1,29
